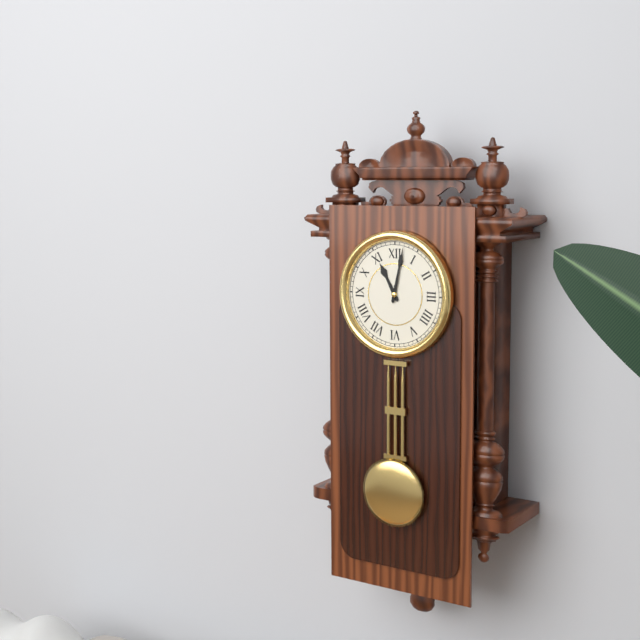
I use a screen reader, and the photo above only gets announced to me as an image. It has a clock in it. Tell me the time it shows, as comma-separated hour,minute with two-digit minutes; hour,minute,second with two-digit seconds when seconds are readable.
11,02
